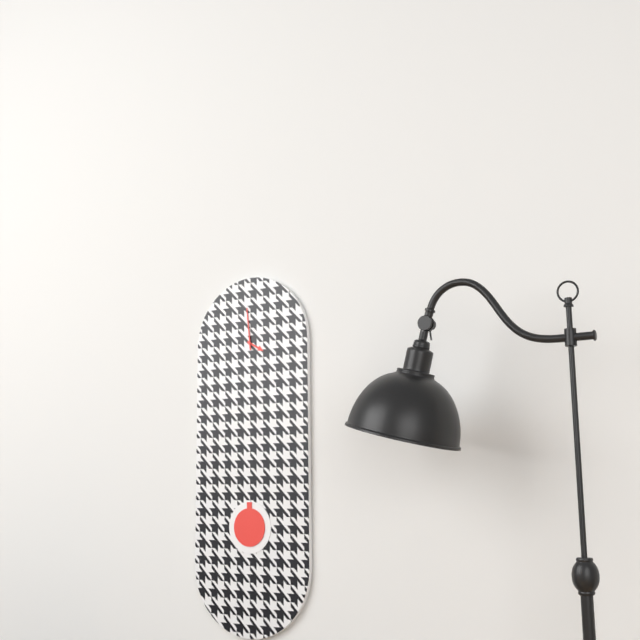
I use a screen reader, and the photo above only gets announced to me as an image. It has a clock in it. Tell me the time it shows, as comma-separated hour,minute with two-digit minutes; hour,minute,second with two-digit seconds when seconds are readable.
3,59
